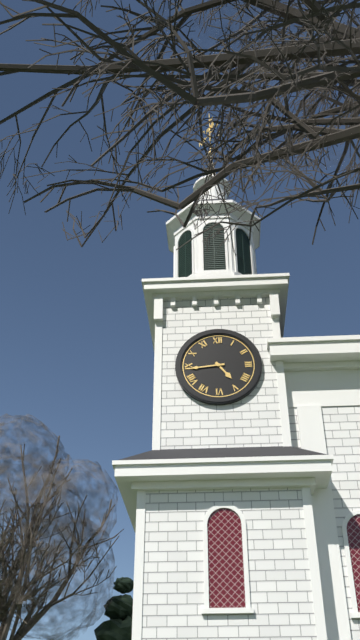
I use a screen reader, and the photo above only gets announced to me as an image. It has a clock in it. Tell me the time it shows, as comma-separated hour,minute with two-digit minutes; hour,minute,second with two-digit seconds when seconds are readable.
4,44
